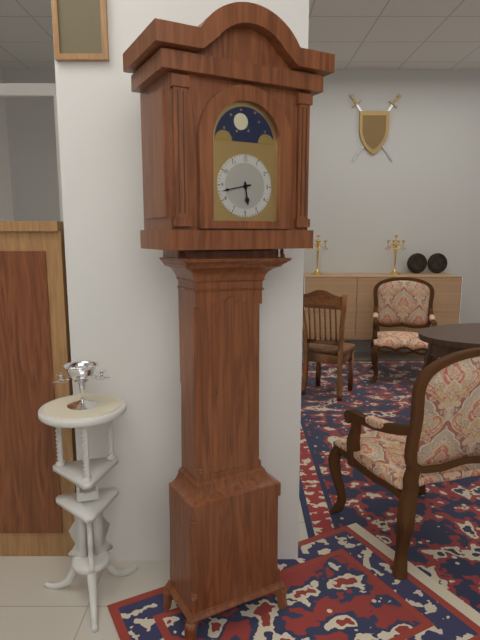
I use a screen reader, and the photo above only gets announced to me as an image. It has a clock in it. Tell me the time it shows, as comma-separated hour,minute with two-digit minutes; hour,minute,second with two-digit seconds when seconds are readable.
5,43
